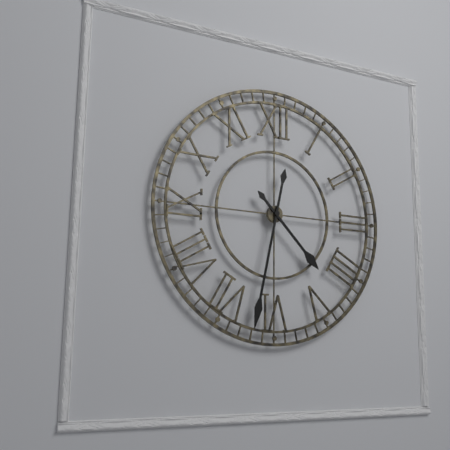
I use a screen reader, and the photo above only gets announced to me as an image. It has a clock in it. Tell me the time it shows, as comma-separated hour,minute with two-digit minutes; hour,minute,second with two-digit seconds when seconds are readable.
4,32
